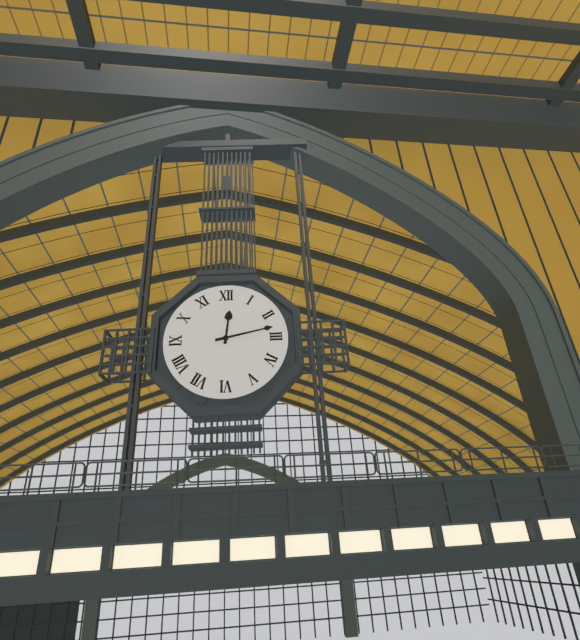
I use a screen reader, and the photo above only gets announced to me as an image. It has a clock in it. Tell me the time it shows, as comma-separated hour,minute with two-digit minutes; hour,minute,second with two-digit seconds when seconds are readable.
12,13
